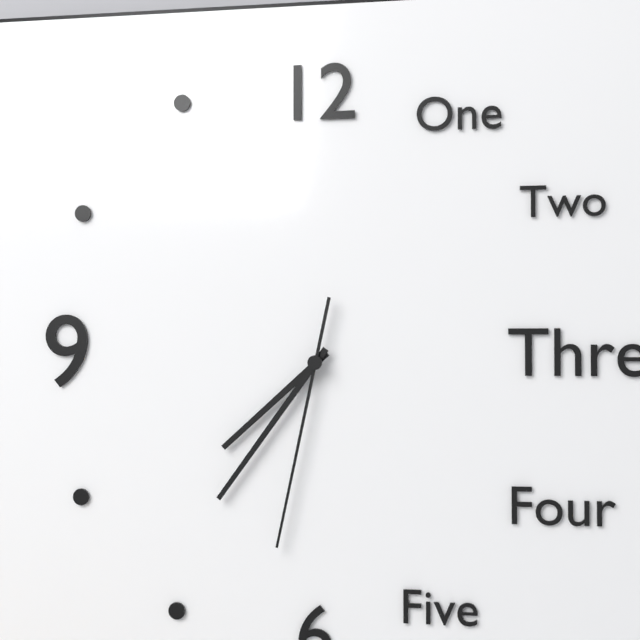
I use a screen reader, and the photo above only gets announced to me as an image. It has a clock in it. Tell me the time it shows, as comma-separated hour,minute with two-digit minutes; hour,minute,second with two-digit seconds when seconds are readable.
7,36,32
